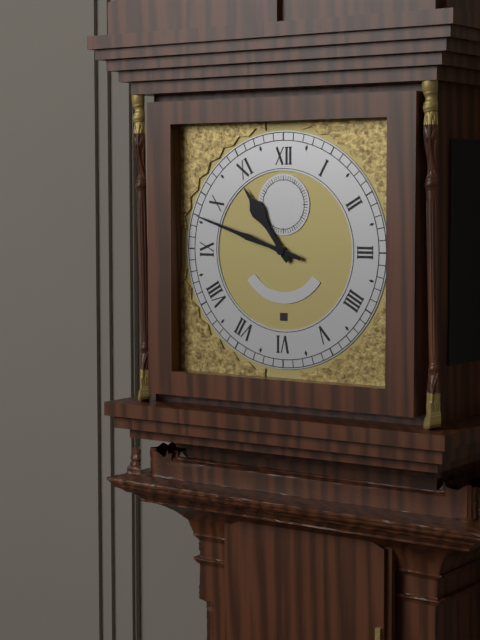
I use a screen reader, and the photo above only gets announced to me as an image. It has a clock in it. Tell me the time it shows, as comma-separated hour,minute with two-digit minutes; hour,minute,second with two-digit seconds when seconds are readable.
10,48
